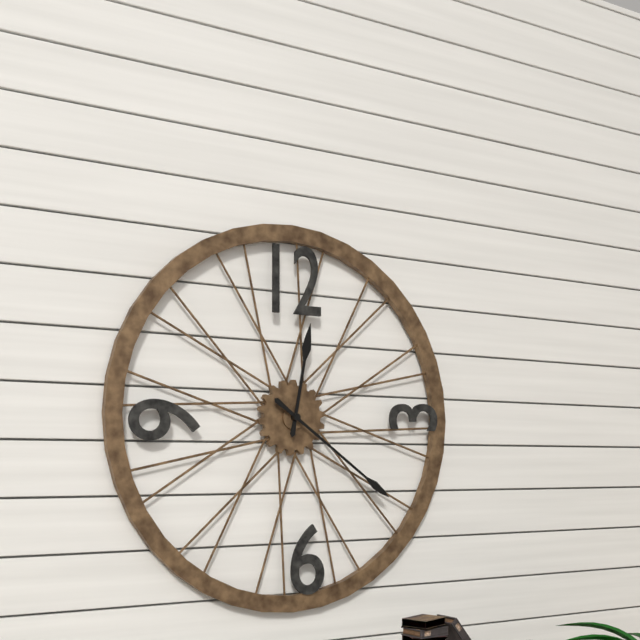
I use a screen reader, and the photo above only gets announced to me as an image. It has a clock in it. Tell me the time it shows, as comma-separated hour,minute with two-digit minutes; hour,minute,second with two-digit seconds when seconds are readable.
12,21
